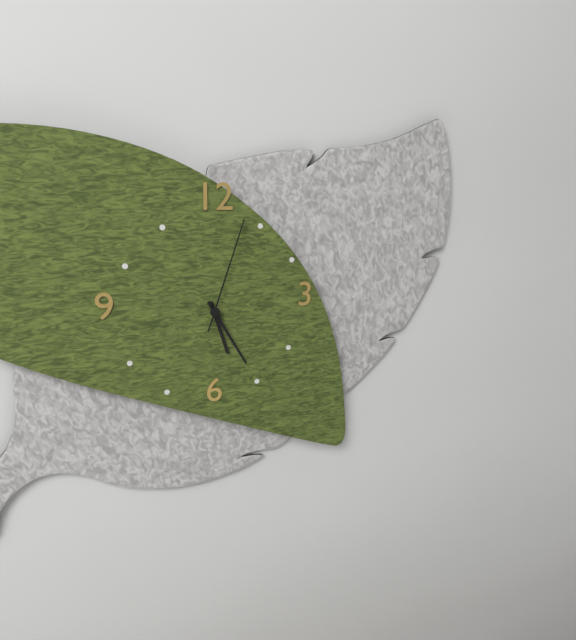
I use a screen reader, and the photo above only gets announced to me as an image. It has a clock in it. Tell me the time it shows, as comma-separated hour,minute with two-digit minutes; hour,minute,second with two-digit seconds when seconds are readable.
5,25,03
